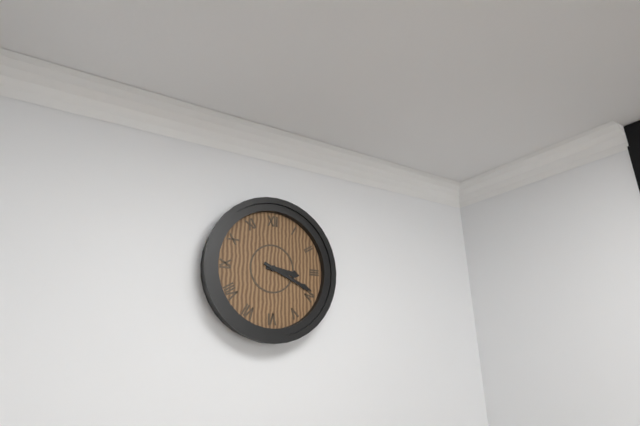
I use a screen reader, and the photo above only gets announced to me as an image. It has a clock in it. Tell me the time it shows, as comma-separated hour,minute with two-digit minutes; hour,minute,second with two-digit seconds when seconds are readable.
3,19
